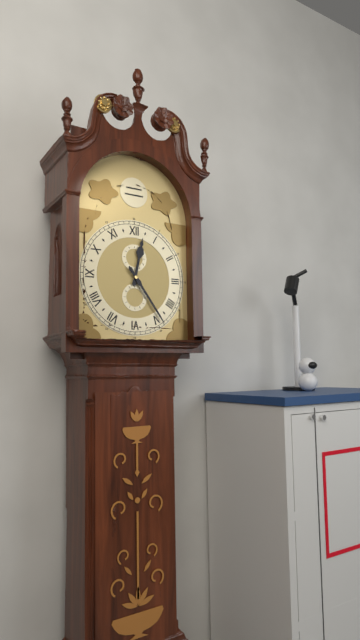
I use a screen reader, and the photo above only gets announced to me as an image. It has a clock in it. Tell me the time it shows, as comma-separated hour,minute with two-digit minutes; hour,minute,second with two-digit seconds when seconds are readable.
12,24
